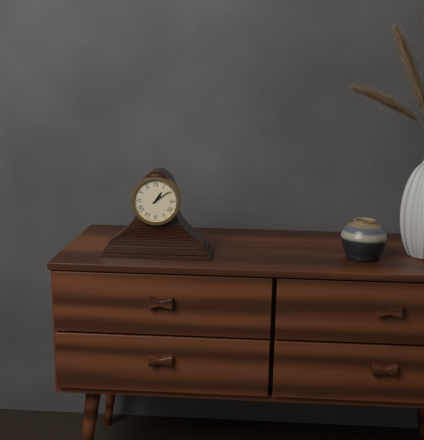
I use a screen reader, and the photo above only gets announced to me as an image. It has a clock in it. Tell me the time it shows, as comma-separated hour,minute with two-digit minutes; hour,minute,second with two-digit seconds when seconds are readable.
1,09
